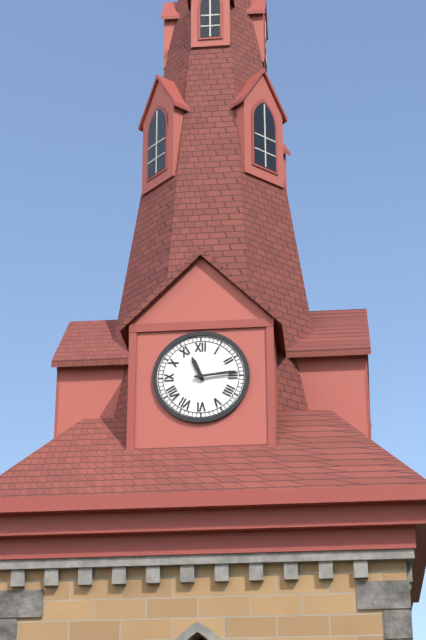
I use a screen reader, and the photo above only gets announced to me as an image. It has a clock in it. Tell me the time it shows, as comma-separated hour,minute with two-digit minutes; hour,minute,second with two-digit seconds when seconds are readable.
11,14
